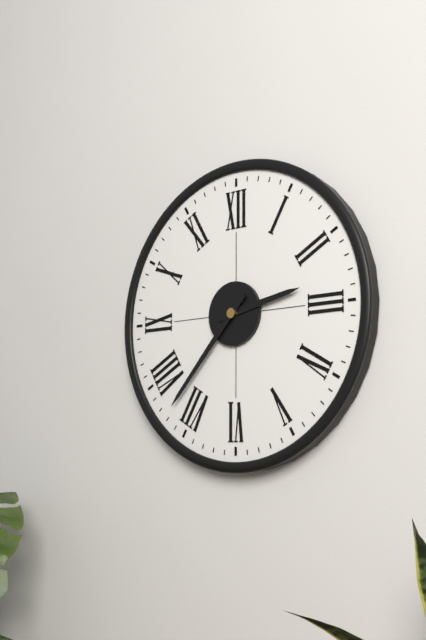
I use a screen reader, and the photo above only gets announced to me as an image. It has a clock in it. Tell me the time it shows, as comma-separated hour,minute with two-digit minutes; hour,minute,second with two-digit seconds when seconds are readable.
2,37
